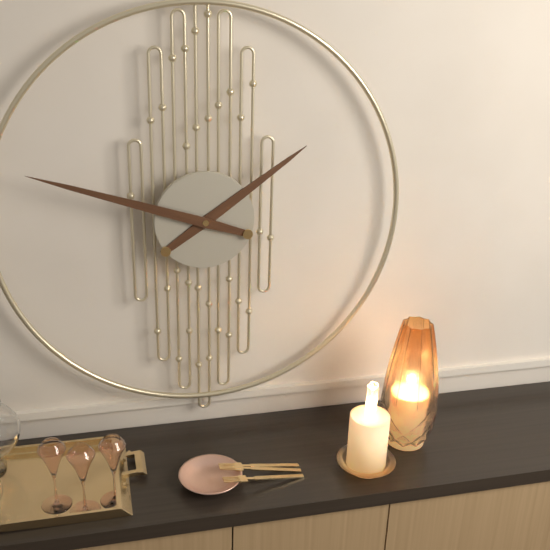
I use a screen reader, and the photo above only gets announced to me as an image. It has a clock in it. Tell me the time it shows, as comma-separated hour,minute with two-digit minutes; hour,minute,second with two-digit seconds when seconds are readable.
1,48
